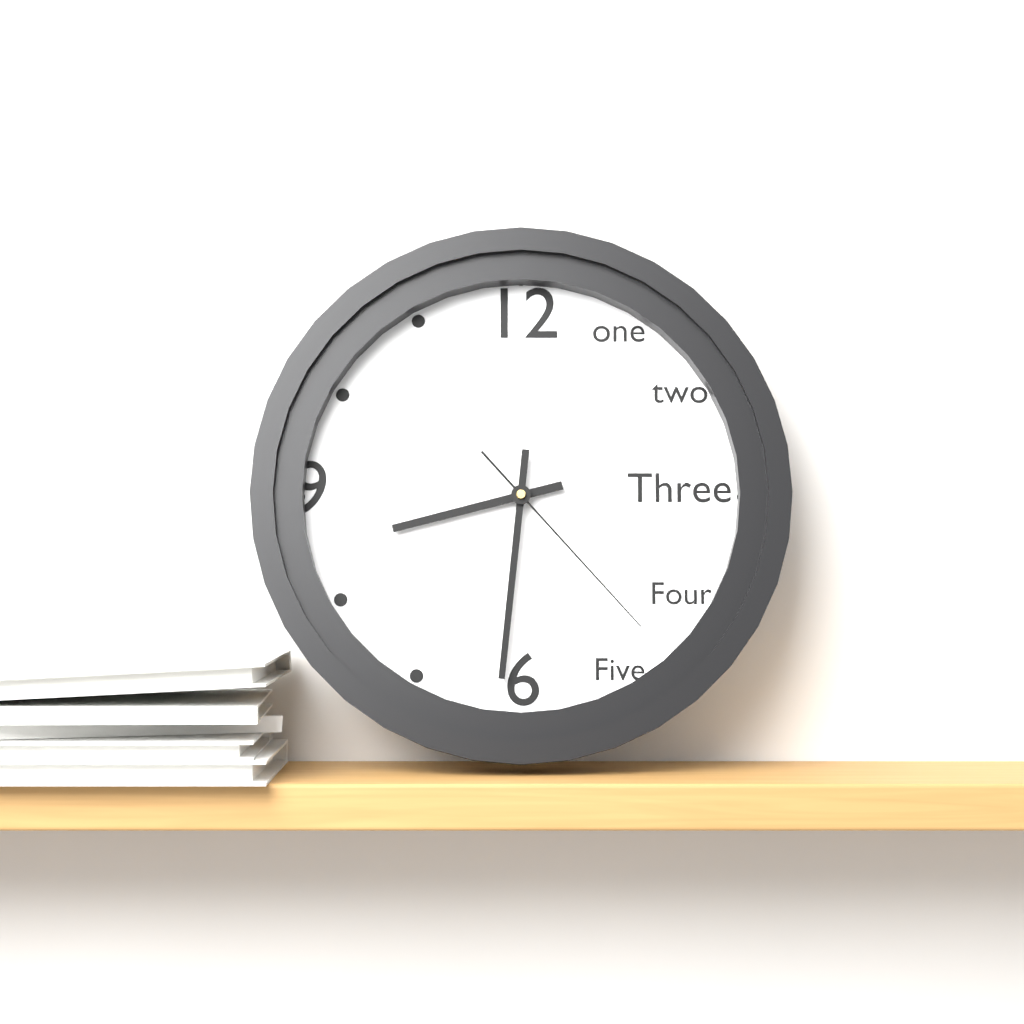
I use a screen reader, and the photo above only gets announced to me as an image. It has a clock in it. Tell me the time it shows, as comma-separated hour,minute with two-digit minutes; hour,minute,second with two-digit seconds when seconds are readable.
8,31,23
